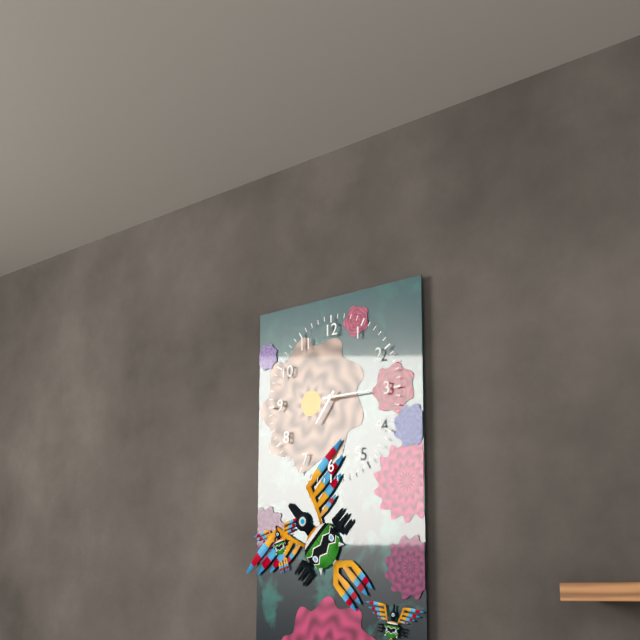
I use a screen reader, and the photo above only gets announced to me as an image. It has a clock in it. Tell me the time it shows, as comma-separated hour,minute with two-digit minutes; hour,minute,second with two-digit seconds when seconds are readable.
7,15
